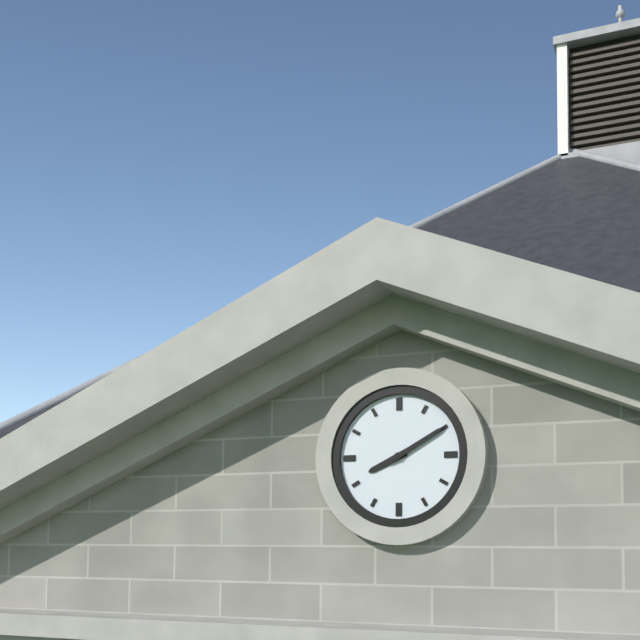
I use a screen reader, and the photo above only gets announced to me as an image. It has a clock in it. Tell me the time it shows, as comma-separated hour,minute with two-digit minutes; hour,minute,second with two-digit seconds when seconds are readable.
8,10
